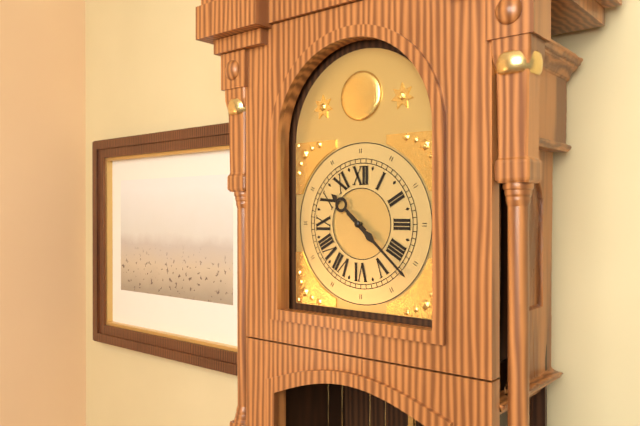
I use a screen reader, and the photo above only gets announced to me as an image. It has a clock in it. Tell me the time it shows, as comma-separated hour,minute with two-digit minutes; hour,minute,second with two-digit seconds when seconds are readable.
10,22
